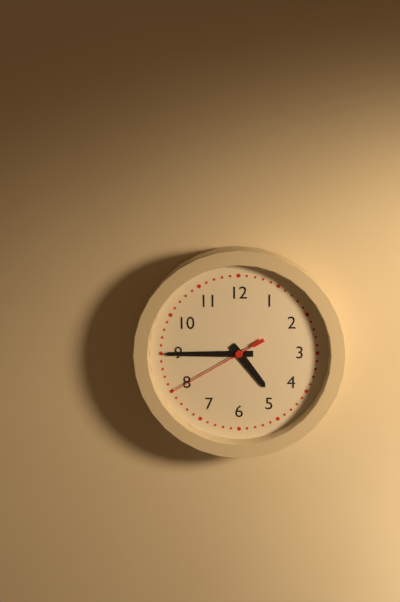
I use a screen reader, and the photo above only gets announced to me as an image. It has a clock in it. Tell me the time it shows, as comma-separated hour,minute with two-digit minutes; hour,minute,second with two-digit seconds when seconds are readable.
4,45,40
